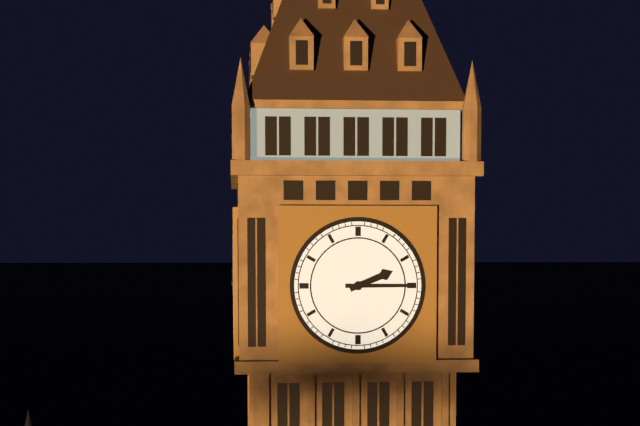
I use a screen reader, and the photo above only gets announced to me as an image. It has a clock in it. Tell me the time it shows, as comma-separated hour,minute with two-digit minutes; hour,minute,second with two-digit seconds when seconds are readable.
2,15
